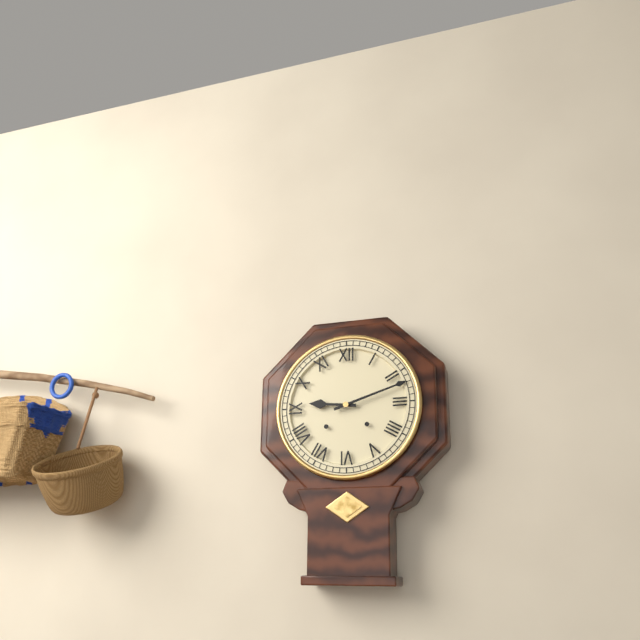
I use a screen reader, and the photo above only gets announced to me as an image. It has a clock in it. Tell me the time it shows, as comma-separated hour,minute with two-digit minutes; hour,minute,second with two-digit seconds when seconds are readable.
9,12
